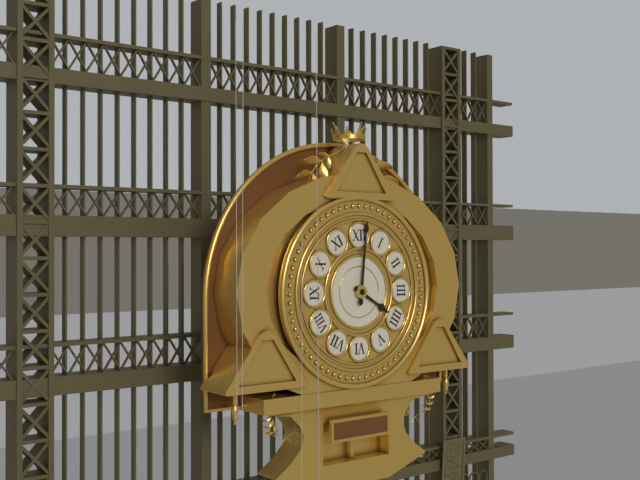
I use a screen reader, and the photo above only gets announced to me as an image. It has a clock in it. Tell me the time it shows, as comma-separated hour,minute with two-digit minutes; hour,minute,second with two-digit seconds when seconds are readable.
4,01
